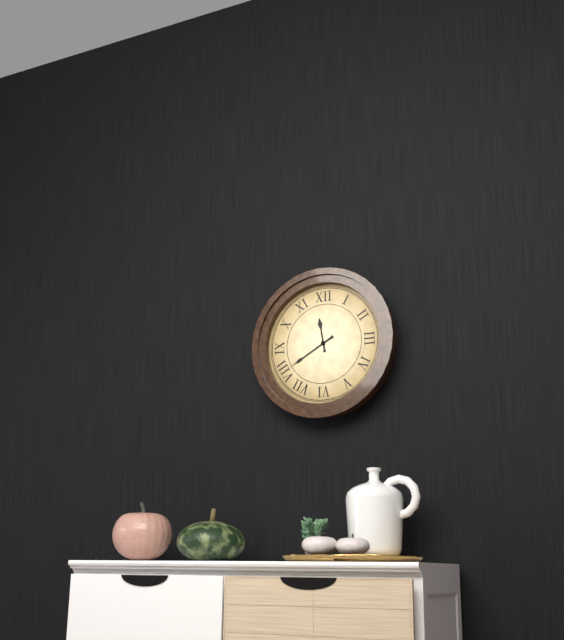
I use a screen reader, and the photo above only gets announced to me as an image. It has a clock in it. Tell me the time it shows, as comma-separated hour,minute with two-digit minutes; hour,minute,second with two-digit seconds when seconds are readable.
11,40
